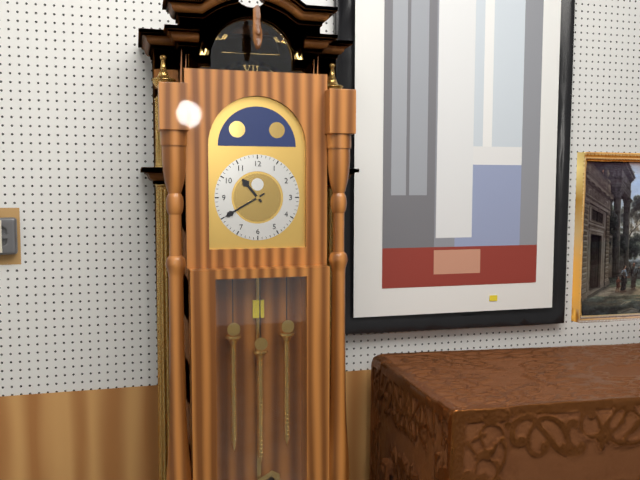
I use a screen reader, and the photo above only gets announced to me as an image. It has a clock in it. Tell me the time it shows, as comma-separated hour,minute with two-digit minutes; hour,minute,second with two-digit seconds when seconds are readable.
10,40
